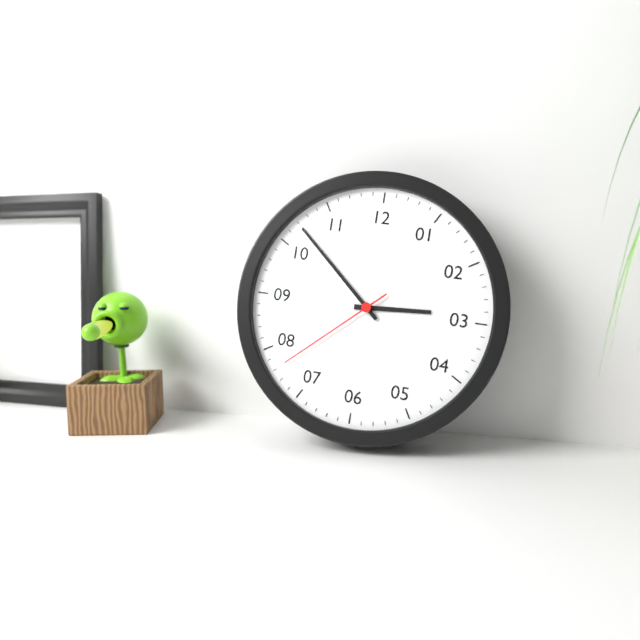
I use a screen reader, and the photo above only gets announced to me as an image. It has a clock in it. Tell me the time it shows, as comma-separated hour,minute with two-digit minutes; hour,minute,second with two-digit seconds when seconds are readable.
2,52,38
